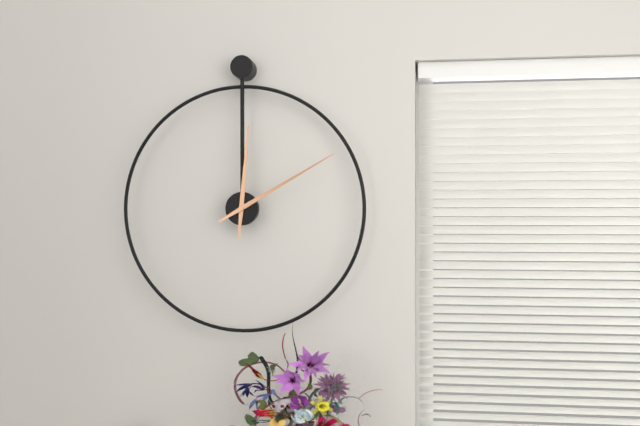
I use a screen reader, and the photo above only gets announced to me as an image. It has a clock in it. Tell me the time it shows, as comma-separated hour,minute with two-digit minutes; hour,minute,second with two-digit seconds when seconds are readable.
12,10
